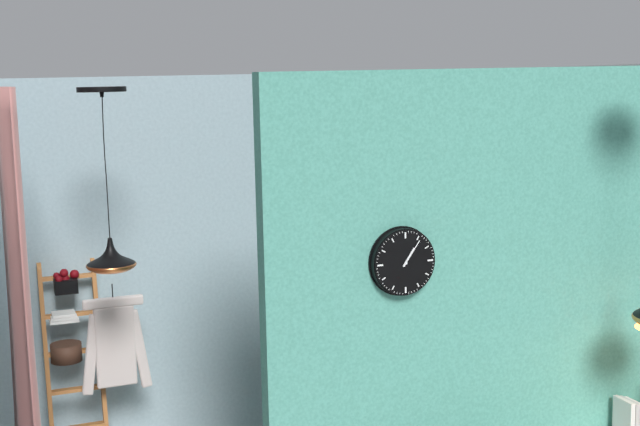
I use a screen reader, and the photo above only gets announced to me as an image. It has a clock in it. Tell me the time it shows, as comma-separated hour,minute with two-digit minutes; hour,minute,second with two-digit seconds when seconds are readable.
1,06
